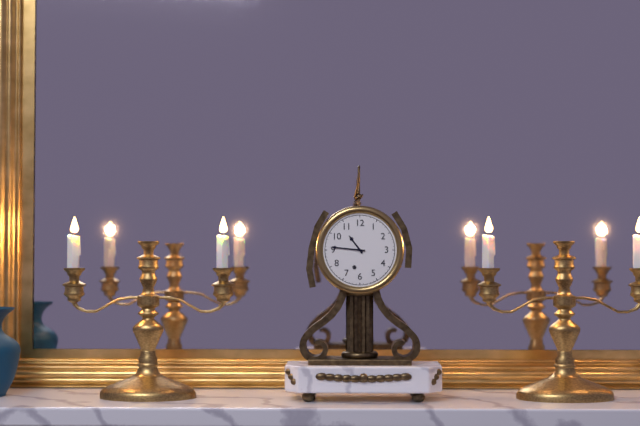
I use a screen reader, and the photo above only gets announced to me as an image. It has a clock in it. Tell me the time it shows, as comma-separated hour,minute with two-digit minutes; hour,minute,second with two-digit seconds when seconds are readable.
10,46
